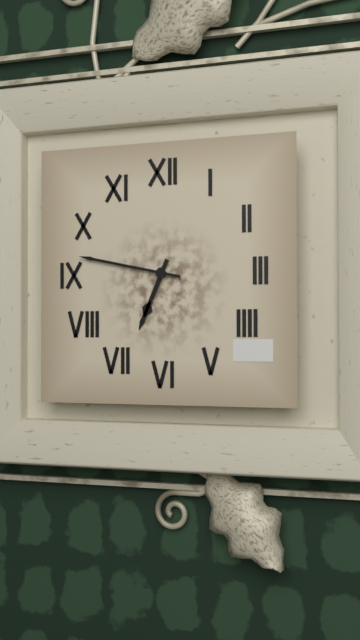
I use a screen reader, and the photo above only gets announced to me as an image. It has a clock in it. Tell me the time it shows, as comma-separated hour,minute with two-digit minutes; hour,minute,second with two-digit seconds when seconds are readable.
6,47
